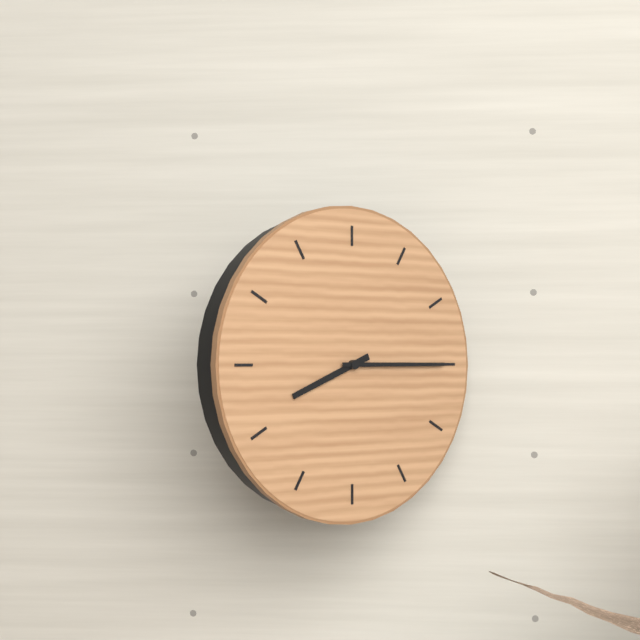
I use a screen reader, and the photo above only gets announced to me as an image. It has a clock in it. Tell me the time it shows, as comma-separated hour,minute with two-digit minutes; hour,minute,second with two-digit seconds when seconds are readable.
8,15
